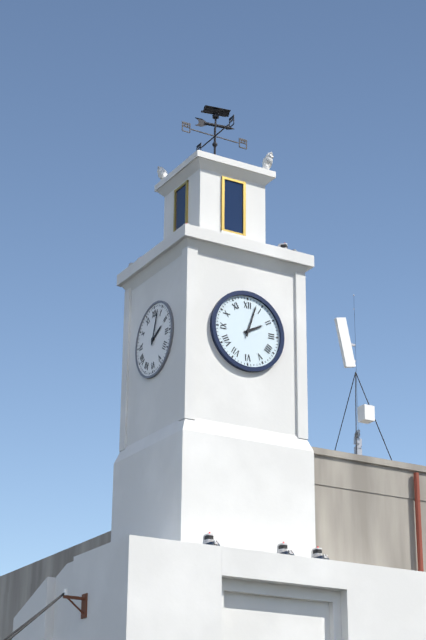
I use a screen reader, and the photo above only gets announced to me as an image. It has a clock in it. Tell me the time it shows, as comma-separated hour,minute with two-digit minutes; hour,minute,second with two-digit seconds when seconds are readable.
2,03
